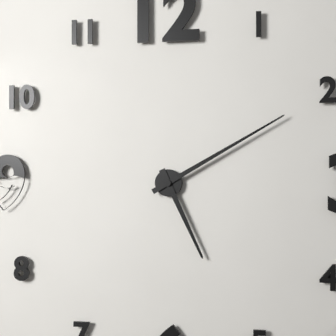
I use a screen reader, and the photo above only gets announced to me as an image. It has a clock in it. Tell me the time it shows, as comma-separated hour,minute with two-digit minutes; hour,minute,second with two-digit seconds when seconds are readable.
5,10
